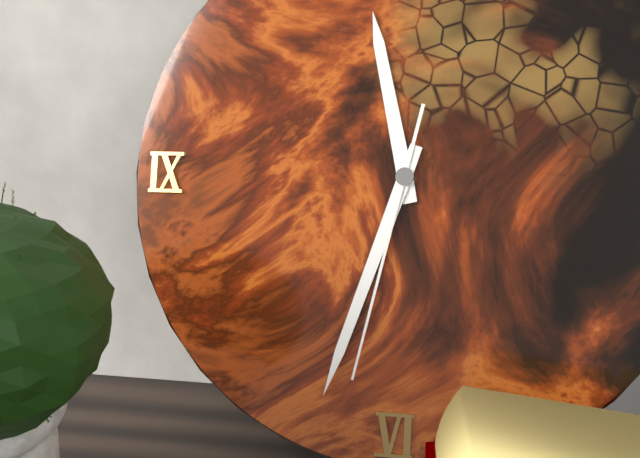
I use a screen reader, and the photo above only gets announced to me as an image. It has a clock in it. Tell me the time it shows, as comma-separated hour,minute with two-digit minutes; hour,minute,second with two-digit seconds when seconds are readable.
11,33,32
